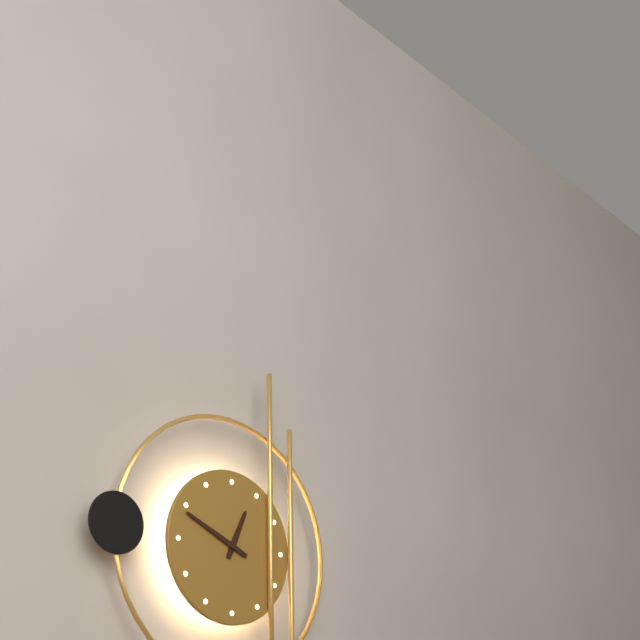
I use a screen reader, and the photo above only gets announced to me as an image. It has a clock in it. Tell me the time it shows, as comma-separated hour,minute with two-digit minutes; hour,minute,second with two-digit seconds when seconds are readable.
12,49
